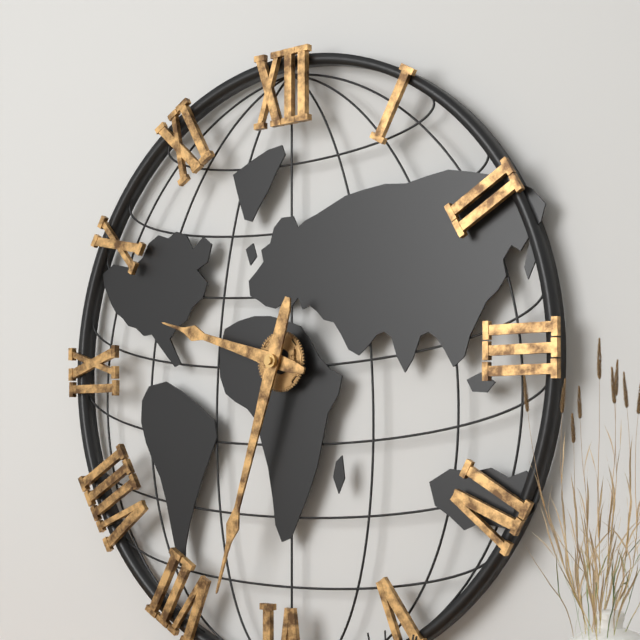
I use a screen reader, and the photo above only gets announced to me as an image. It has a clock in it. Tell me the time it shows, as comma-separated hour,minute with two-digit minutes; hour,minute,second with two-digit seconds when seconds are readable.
9,33
